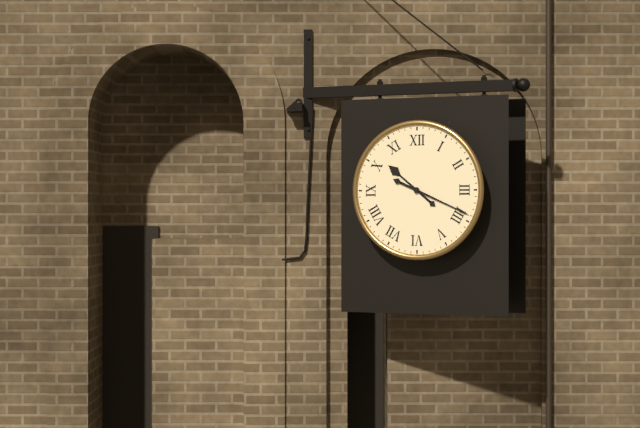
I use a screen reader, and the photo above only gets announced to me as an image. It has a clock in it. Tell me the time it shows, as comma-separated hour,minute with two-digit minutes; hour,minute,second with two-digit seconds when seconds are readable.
10,19
